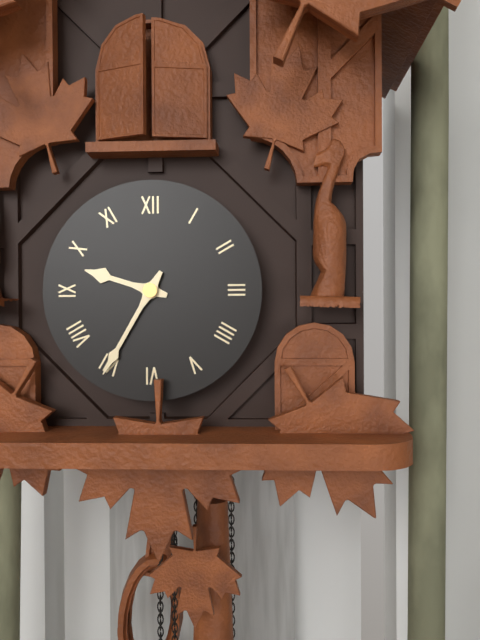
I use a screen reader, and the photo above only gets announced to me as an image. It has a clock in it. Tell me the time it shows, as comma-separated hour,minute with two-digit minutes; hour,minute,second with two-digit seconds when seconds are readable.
9,35
